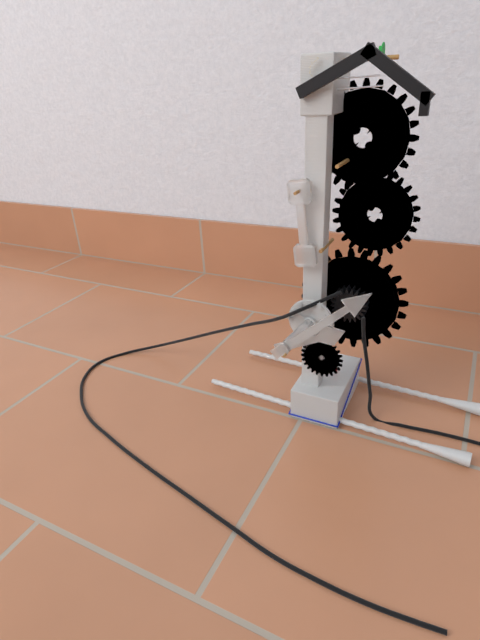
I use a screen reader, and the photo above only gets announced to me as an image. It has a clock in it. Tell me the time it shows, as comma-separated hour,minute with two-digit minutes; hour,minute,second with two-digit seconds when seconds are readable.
2,08
